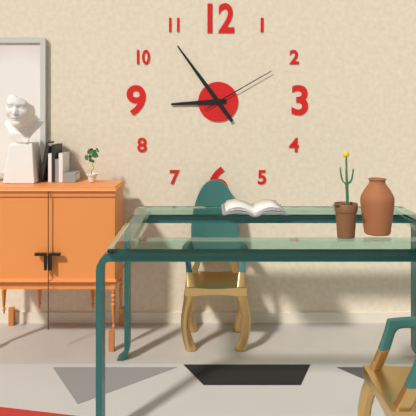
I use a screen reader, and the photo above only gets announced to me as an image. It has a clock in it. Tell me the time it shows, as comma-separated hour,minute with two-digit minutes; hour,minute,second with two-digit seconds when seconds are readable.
8,54,10
